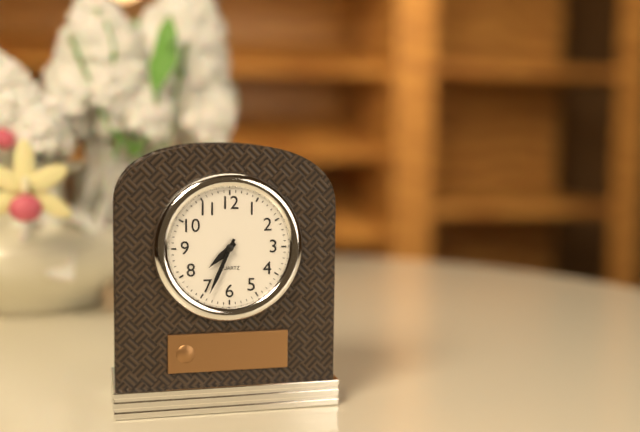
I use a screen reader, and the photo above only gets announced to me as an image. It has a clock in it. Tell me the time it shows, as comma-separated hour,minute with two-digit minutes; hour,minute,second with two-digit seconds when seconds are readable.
7,34
